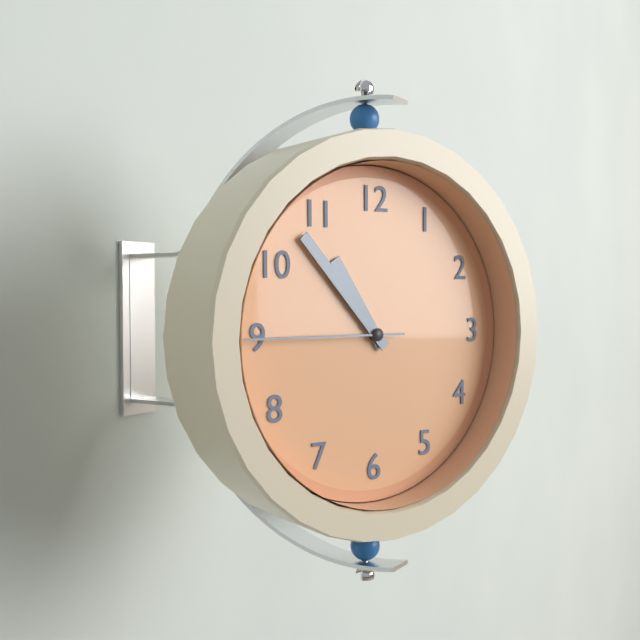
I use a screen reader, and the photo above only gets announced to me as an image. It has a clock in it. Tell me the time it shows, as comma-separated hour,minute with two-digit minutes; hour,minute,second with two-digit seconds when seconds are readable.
10,53,45
